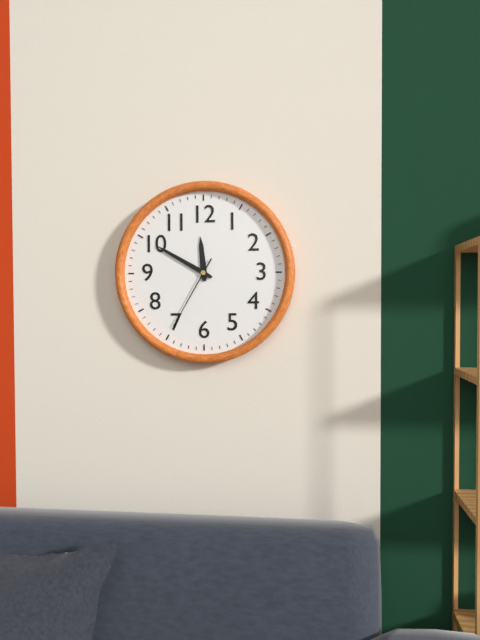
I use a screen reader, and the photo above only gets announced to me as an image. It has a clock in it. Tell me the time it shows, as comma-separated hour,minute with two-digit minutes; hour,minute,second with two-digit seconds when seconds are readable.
11,50,35
